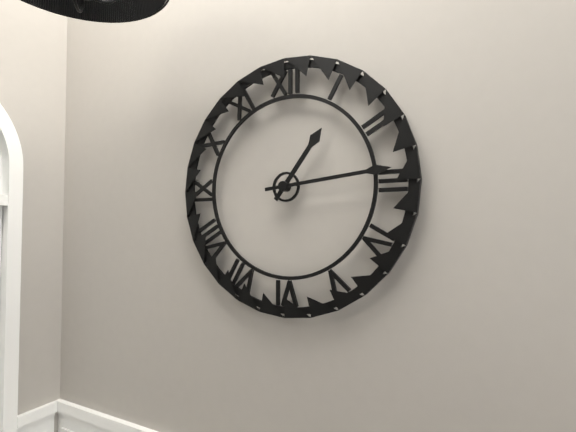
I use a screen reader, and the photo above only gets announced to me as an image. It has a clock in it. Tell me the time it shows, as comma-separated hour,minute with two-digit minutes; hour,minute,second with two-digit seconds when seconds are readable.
1,14
